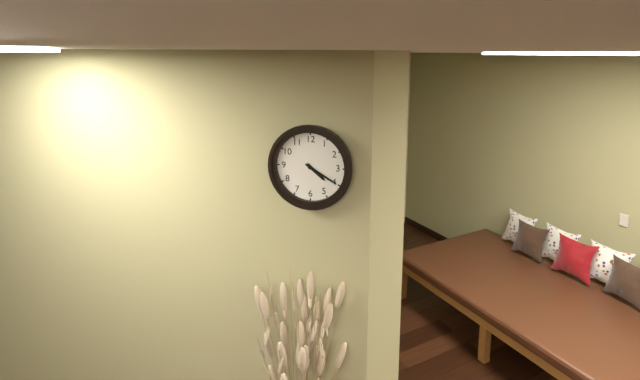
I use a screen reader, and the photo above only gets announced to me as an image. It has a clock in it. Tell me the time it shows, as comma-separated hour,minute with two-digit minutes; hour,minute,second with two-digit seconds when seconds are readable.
4,20
